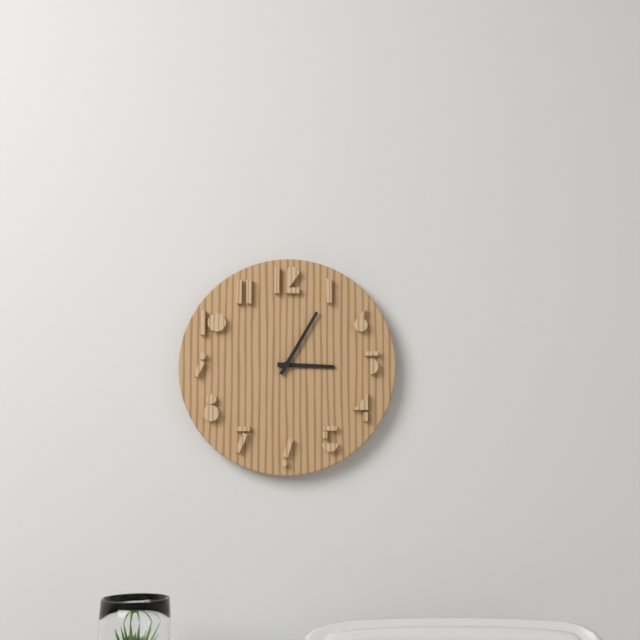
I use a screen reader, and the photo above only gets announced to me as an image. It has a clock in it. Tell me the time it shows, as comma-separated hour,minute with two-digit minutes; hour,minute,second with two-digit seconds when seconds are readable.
3,05
